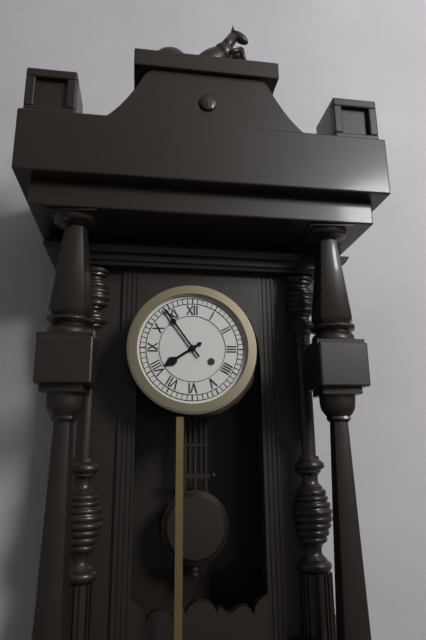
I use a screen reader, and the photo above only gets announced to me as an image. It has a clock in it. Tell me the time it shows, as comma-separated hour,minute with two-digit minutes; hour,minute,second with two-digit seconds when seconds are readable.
7,54
